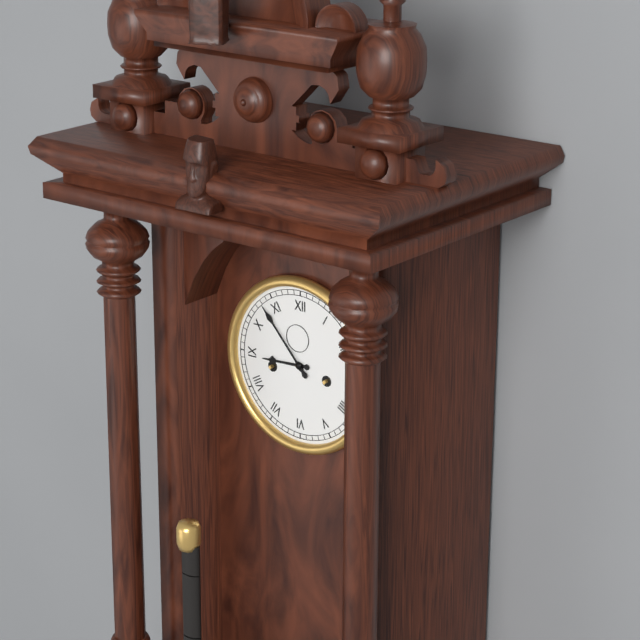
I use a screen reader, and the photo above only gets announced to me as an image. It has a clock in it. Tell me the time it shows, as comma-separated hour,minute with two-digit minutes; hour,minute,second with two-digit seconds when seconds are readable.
8,53
